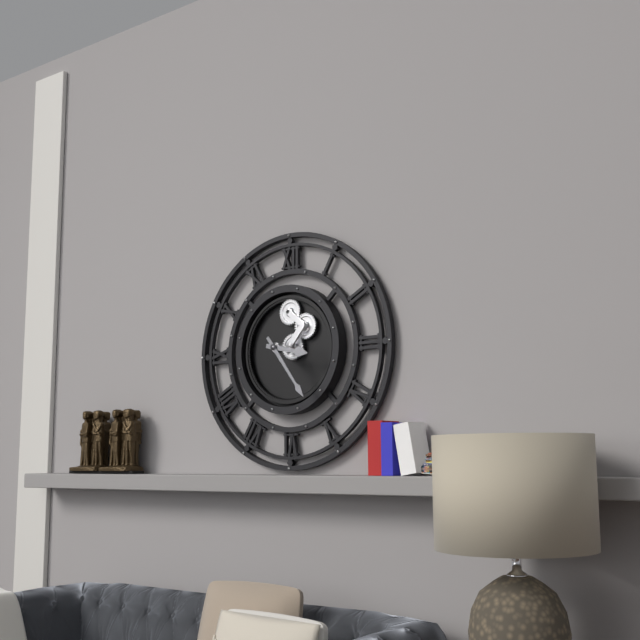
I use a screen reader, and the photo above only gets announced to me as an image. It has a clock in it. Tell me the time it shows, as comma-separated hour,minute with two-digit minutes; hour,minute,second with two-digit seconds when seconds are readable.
3,24
